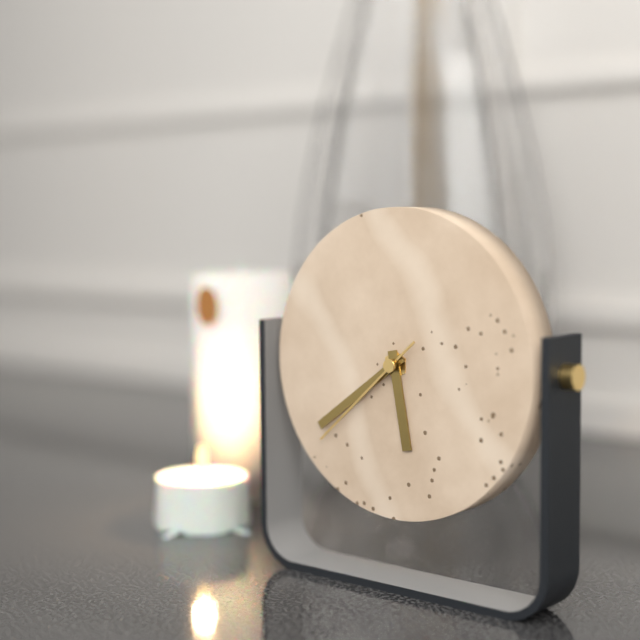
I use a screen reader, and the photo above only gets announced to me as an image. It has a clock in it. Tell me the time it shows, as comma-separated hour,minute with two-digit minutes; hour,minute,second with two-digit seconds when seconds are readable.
5,39,38
